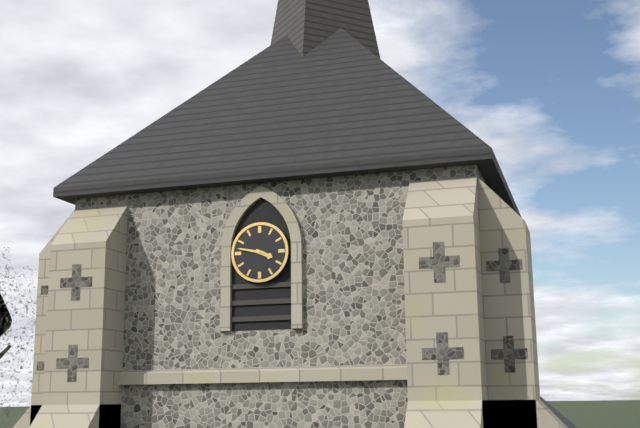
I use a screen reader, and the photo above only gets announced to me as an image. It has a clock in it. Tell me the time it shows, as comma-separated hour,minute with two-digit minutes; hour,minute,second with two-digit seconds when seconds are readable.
3,47
